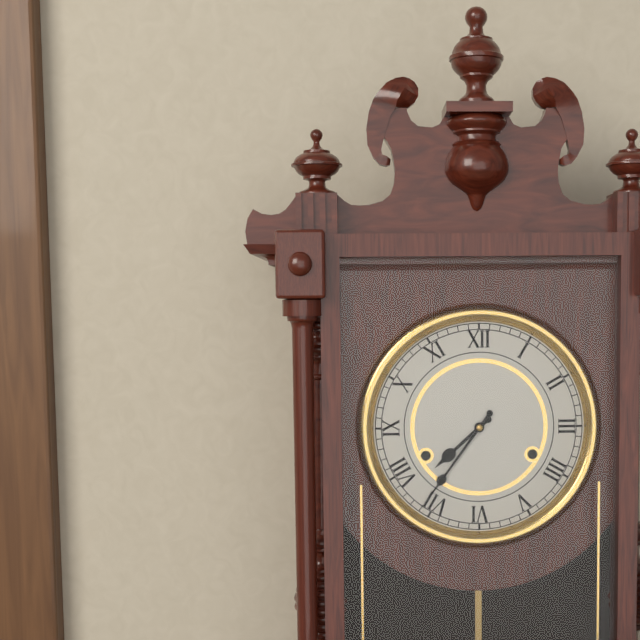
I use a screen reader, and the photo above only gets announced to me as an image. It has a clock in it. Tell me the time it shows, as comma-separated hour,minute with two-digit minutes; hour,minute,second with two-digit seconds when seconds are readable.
7,36
